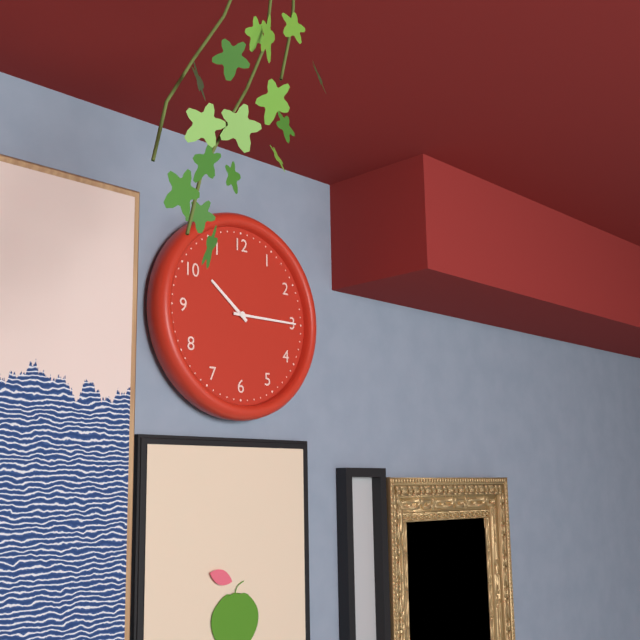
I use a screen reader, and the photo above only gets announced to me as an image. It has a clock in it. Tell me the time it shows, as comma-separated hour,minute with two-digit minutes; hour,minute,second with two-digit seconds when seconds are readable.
10,15
